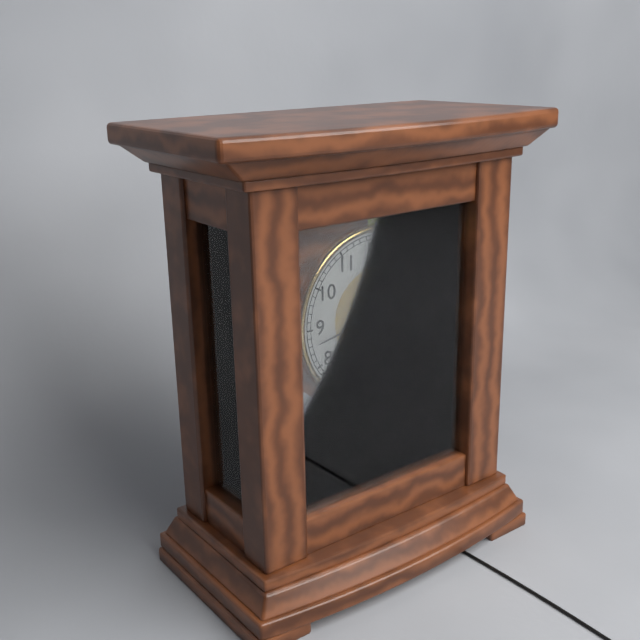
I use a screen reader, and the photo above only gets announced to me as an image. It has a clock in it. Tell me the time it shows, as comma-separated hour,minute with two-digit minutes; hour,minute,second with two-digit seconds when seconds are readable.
1,43
